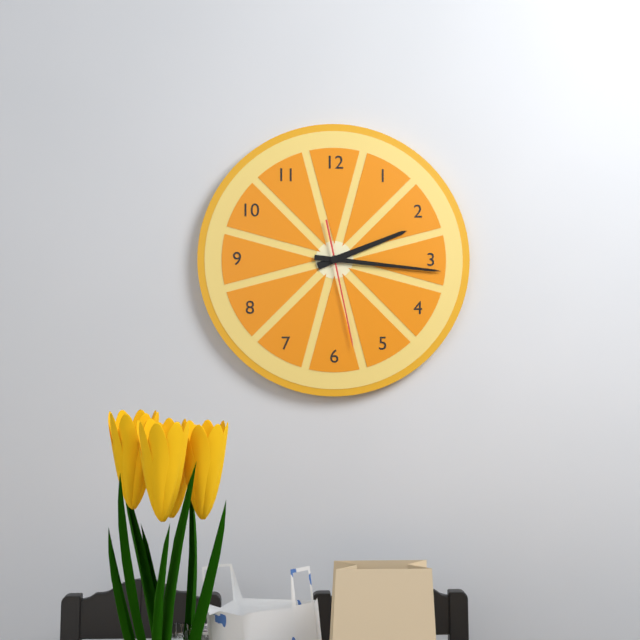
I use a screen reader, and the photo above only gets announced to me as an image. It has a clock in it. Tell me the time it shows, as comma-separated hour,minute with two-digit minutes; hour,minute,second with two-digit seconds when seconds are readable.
2,16,28
